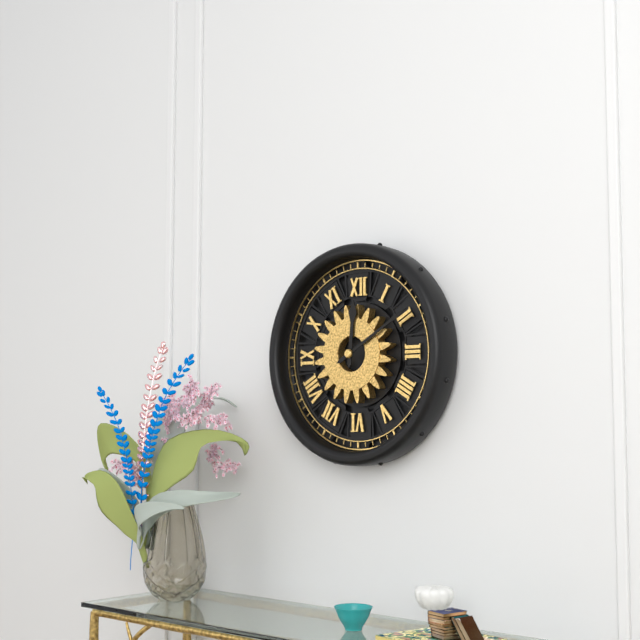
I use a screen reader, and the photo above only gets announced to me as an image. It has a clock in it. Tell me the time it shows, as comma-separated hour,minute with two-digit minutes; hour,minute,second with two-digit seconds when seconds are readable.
12,10
